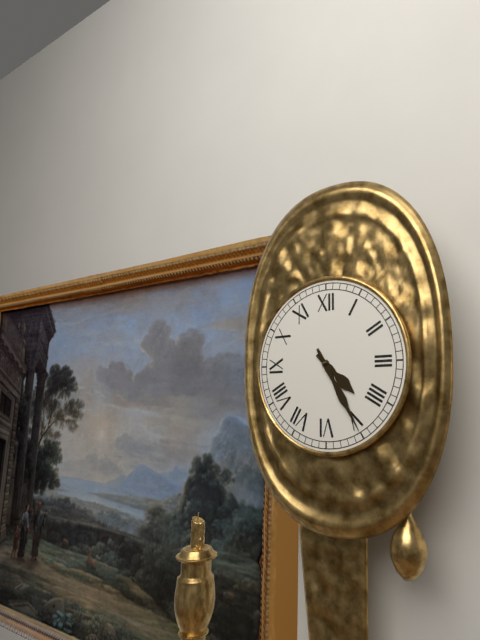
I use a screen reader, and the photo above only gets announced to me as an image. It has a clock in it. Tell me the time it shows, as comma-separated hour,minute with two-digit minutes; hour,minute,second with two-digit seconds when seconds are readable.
4,25
